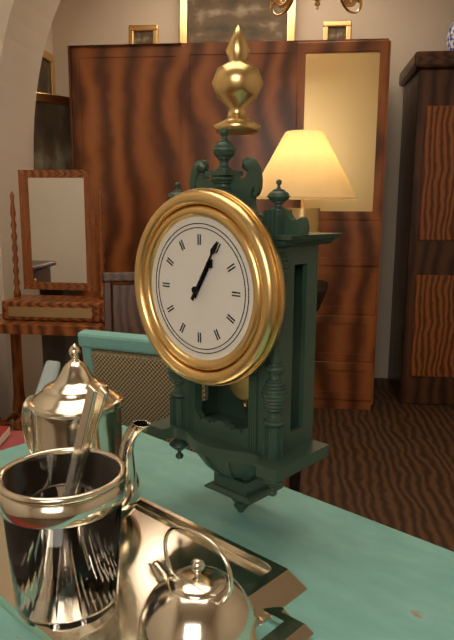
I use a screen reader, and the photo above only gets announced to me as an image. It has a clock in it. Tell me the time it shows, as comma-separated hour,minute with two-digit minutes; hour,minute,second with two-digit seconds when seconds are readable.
1,05
